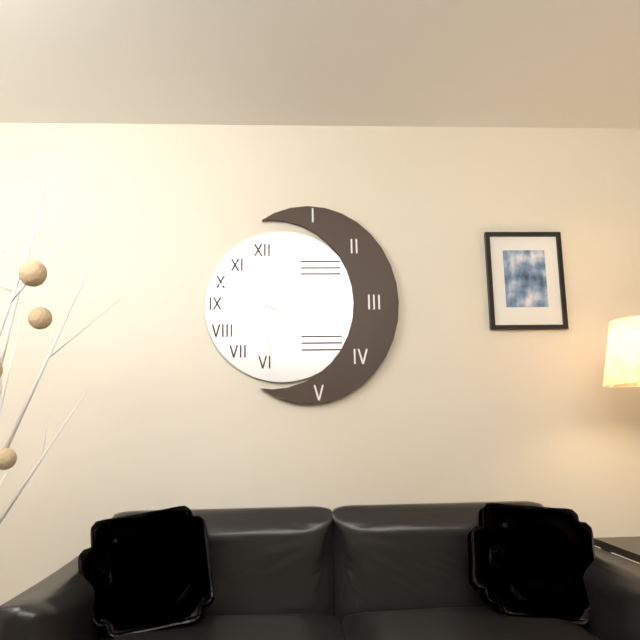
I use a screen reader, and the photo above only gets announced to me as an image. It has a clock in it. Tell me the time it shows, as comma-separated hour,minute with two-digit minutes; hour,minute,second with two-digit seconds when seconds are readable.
12,29,49
